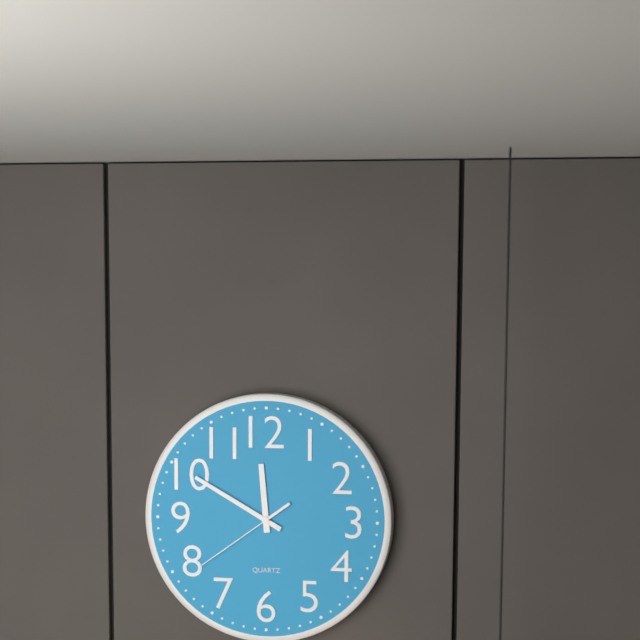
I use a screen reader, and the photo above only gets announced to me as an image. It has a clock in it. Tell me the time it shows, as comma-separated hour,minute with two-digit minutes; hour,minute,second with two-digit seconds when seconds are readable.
11,50,39
